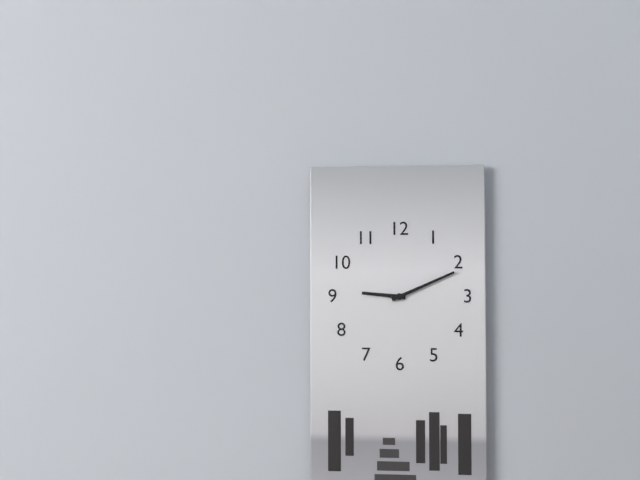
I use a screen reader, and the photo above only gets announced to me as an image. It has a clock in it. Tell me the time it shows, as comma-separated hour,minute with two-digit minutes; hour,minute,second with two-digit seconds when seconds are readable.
9,11
